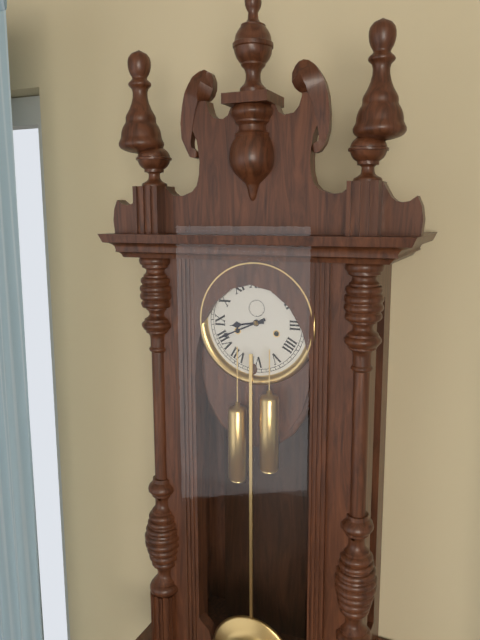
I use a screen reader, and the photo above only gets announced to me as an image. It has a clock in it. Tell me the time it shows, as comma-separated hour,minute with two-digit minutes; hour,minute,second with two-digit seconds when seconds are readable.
8,41
